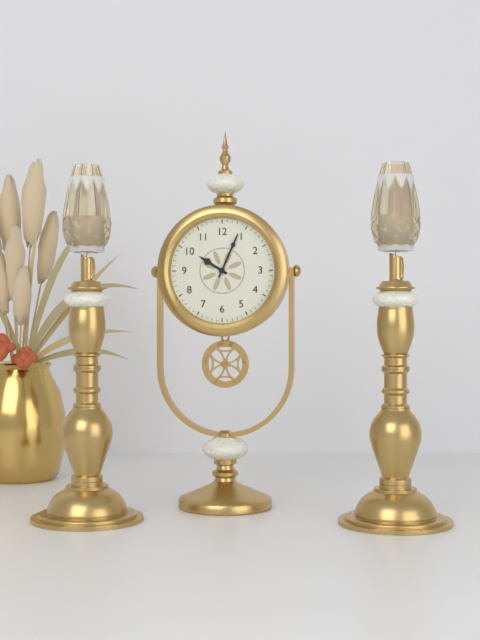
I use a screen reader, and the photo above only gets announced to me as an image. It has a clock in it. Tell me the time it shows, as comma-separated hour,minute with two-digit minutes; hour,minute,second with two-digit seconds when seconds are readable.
10,04
